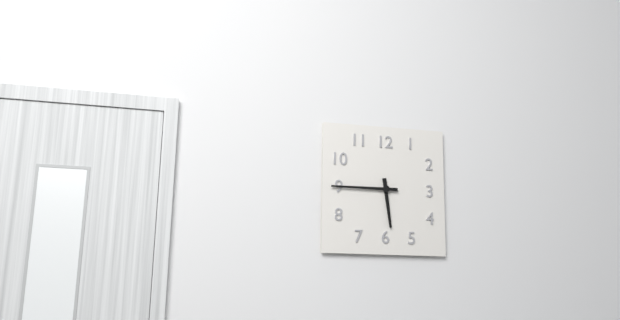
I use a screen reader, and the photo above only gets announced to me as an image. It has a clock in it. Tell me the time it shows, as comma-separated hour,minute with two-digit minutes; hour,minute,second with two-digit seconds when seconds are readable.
5,45
